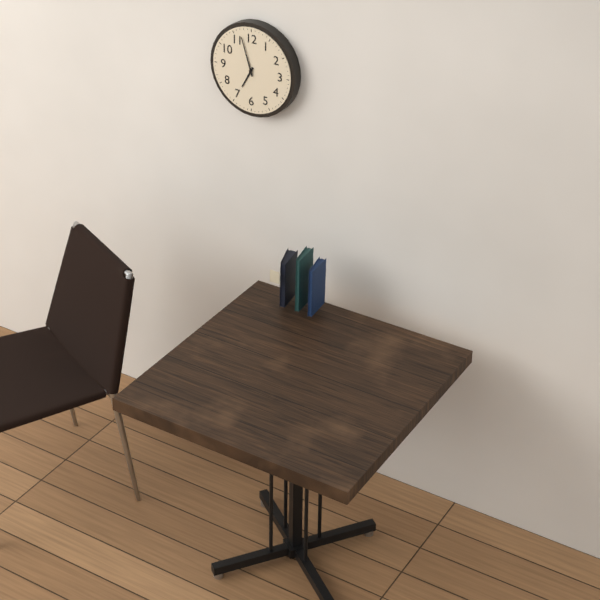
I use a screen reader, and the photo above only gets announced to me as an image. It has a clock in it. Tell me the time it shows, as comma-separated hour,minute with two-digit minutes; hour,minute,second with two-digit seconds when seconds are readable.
6,57
